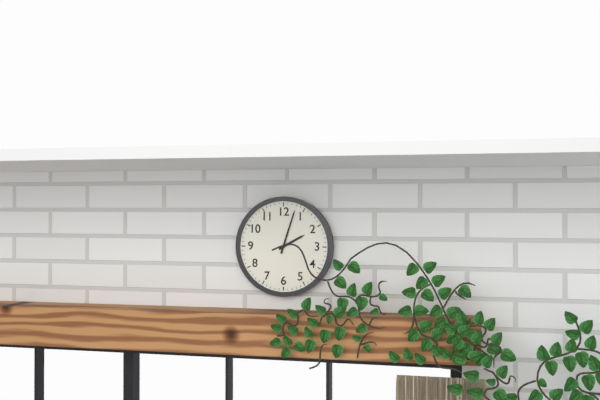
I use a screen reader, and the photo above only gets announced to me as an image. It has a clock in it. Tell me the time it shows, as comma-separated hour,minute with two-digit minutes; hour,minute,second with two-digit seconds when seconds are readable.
2,03
